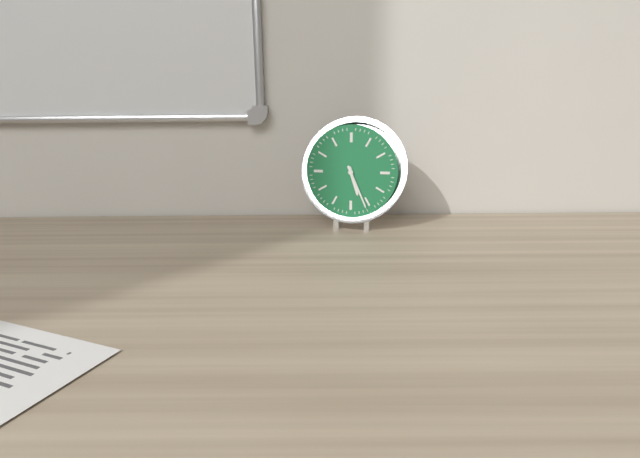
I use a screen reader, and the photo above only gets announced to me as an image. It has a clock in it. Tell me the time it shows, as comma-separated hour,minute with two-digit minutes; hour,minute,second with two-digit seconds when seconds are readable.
5,26
